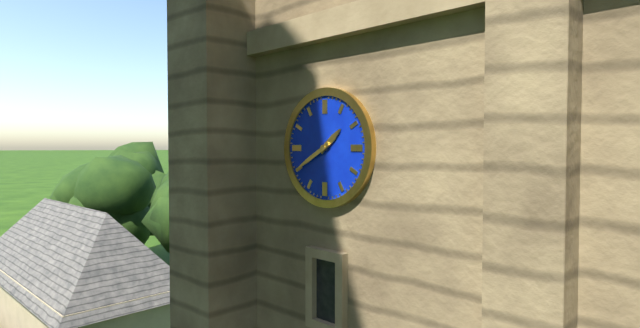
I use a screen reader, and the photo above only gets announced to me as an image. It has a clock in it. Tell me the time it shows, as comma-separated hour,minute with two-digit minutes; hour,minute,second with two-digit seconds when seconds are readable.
1,40
